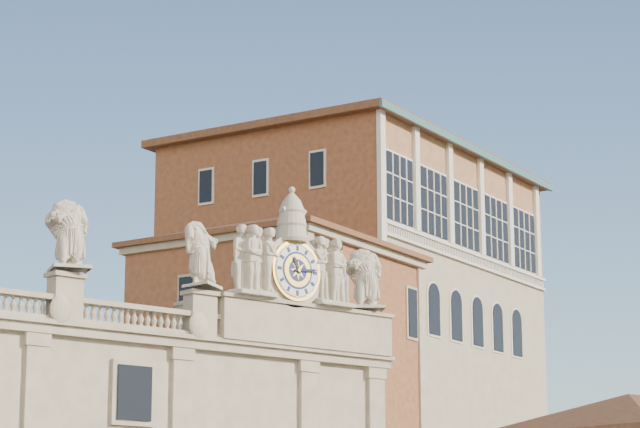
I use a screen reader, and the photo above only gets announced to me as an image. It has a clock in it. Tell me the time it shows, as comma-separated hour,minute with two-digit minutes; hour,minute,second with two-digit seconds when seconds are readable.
11,14
